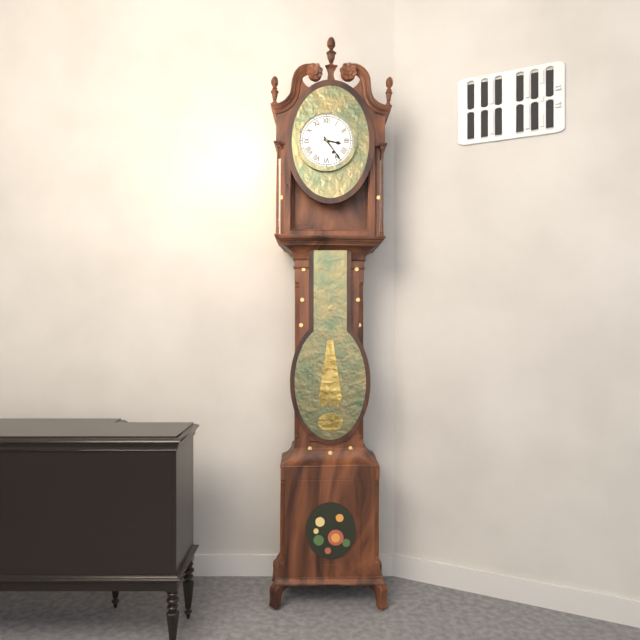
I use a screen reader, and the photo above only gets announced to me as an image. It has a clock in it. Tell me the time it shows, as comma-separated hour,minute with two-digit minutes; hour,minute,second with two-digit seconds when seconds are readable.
3,24
